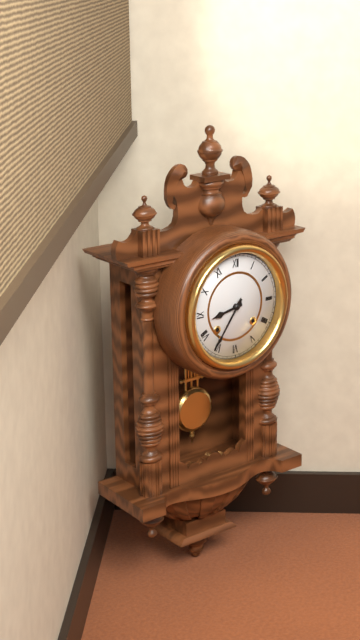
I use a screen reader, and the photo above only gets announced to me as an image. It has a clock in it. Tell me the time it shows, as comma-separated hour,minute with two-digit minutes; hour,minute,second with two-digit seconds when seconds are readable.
8,36
